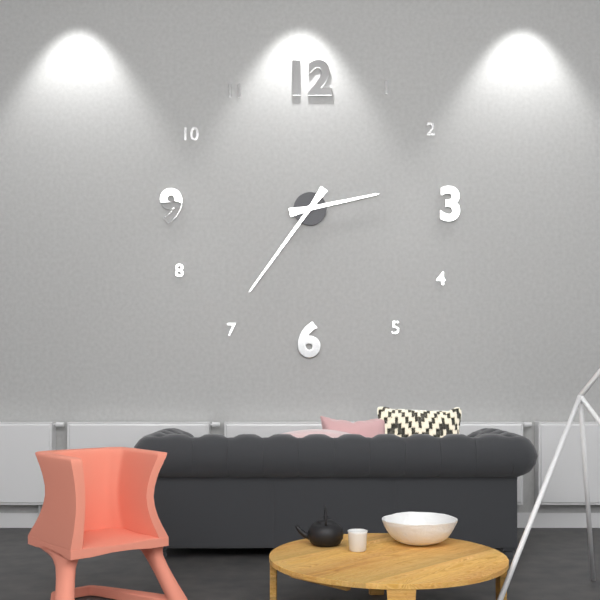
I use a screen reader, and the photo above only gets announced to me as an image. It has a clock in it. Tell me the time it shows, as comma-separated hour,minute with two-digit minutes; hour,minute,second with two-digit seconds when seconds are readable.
2,36
